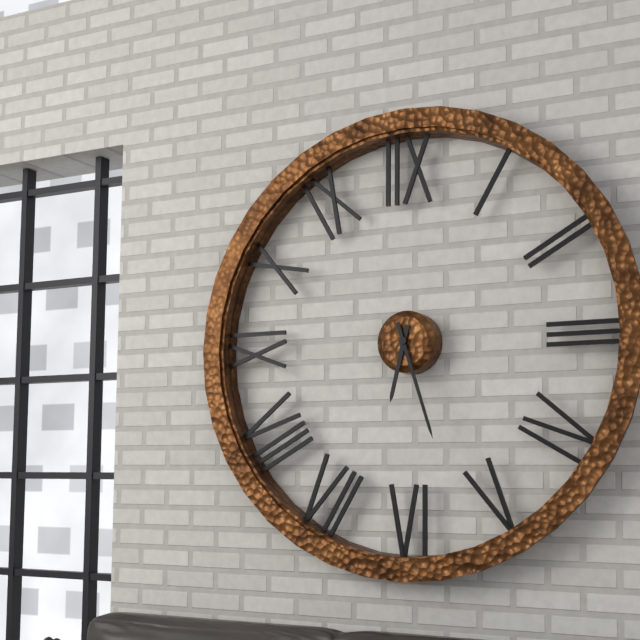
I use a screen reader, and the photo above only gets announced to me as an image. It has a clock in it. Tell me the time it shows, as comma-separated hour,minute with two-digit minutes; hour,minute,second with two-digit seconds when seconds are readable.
6,27
